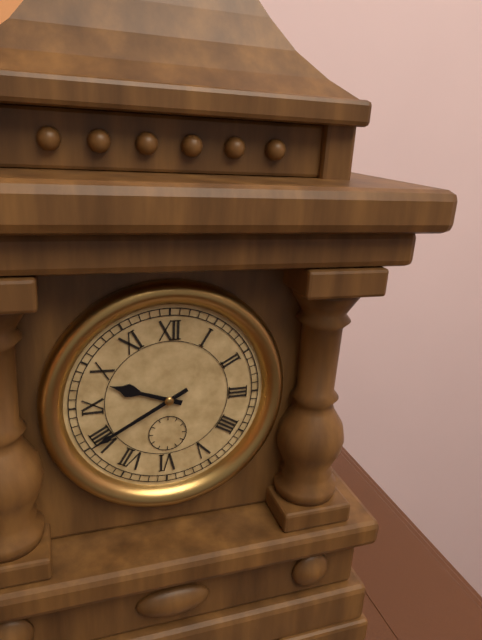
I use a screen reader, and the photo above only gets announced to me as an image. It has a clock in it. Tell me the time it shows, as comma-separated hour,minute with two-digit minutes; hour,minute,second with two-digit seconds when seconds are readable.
9,40
